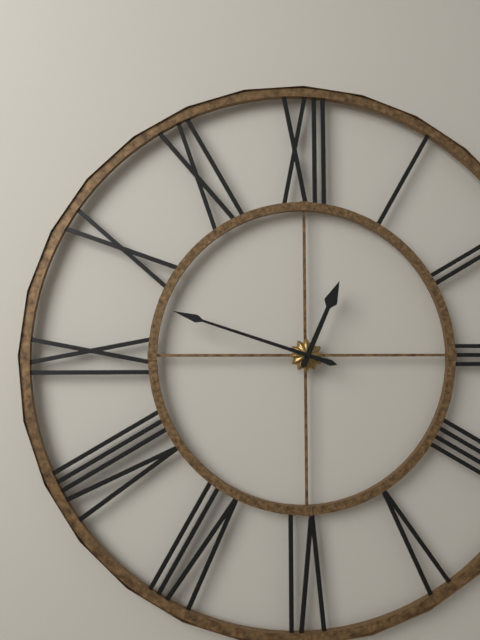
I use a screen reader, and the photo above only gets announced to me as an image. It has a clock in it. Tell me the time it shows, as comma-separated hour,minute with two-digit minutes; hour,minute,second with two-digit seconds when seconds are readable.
12,48
